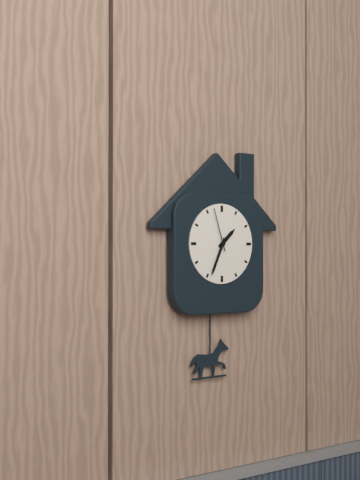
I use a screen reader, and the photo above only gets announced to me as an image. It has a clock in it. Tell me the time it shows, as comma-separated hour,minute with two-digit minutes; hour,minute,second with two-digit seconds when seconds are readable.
1,34
